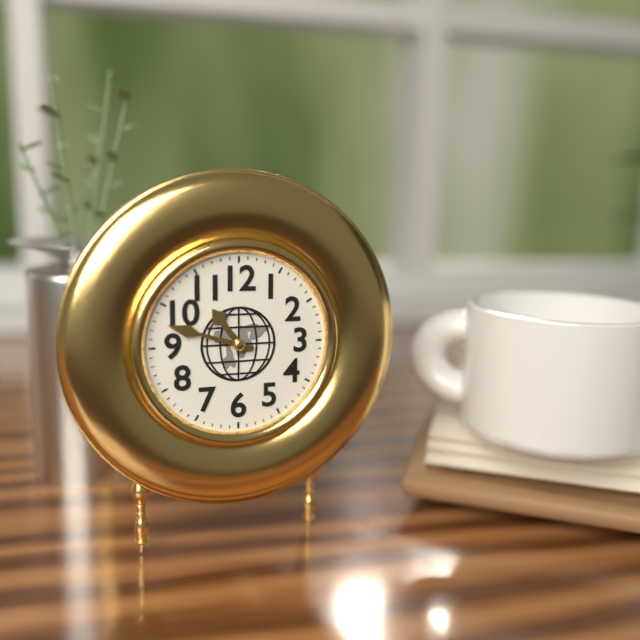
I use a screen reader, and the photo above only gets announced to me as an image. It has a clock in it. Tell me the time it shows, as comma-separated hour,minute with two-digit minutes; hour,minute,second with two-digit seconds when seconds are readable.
10,48
